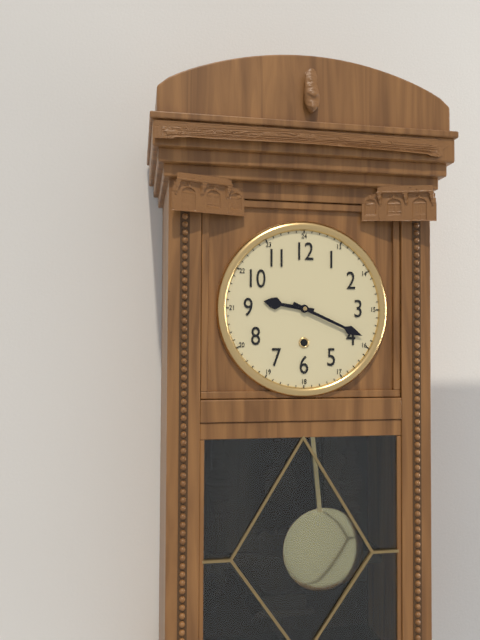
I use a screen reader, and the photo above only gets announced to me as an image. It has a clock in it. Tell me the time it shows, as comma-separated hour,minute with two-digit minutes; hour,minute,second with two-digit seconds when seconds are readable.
9,19
